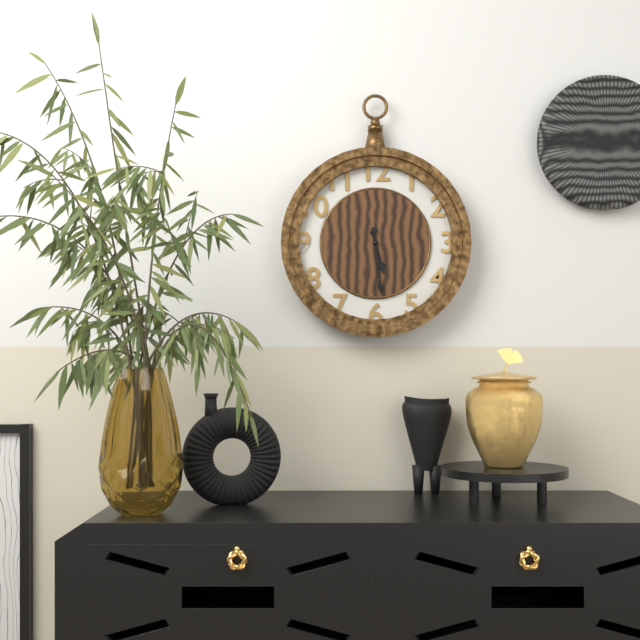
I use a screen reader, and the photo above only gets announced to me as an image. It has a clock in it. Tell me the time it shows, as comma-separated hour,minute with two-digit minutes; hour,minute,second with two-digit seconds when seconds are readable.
5,29
